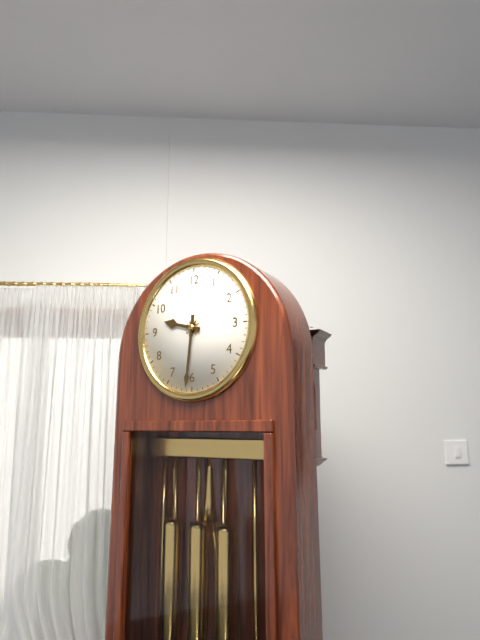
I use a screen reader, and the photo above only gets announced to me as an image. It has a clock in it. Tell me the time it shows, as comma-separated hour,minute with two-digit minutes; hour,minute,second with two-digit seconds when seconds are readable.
9,31
